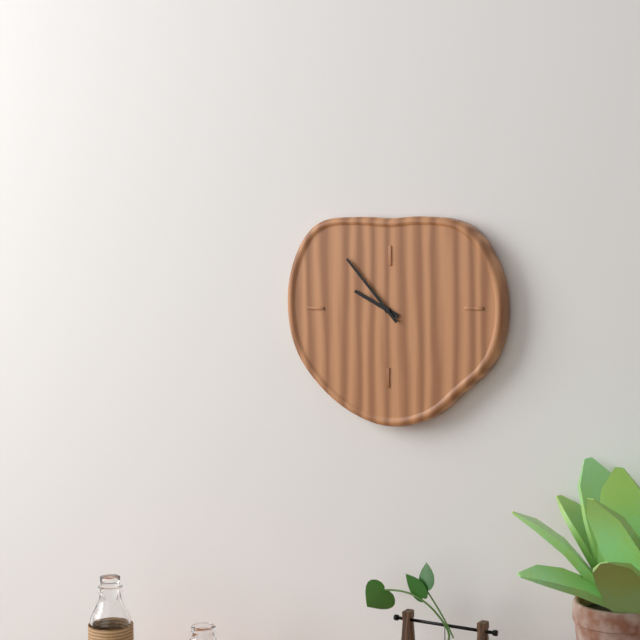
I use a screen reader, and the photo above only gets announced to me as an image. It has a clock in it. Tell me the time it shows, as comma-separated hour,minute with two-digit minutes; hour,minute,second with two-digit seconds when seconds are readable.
9,53
